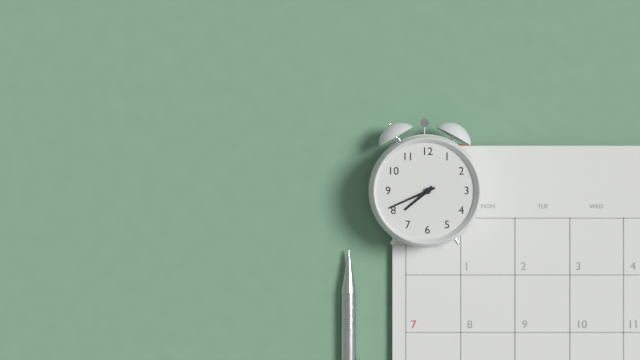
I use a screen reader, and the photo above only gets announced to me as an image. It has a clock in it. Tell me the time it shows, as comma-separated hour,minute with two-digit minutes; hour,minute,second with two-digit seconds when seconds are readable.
7,41
